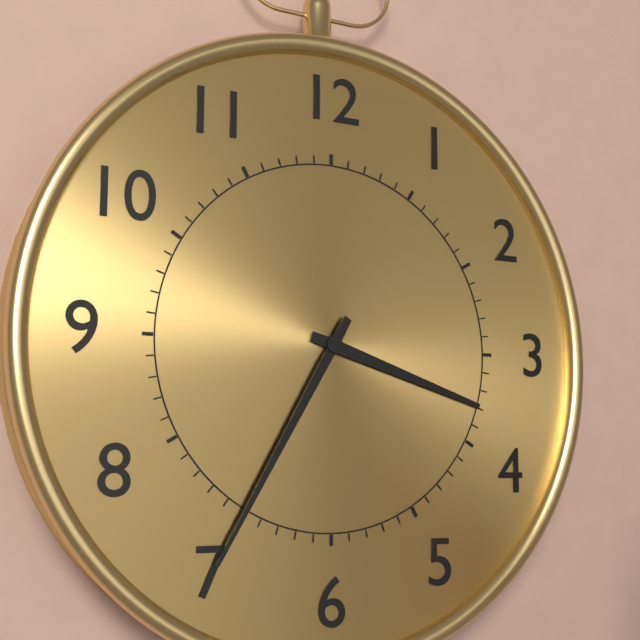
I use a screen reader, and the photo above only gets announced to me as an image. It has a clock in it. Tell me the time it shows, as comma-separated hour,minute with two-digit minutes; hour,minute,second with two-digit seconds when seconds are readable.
3,35
